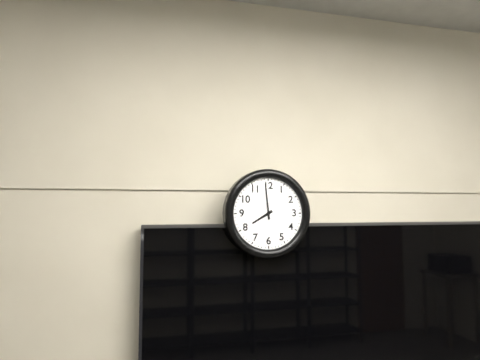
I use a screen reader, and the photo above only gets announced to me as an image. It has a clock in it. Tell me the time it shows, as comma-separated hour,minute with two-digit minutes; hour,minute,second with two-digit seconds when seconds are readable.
7,59
